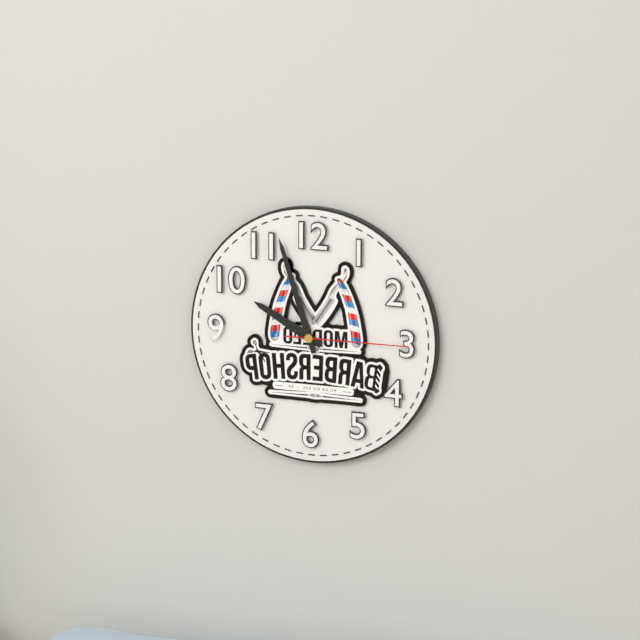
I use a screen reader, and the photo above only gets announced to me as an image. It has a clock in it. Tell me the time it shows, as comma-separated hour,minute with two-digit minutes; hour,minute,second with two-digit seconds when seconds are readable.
9,57,15
